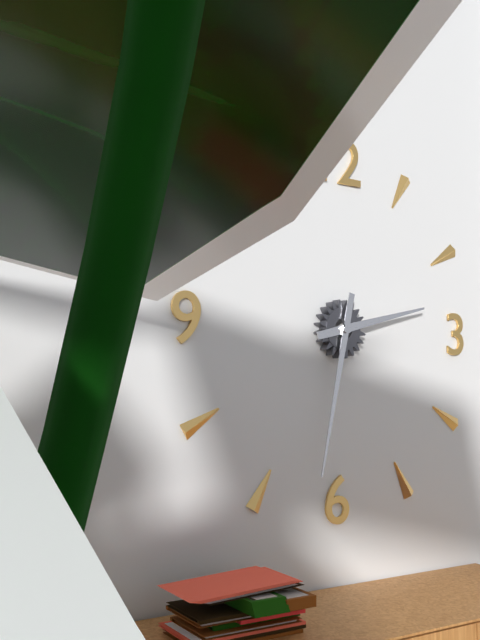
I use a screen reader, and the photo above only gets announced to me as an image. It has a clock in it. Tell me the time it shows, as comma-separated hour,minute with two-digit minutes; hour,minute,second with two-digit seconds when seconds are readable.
2,32
